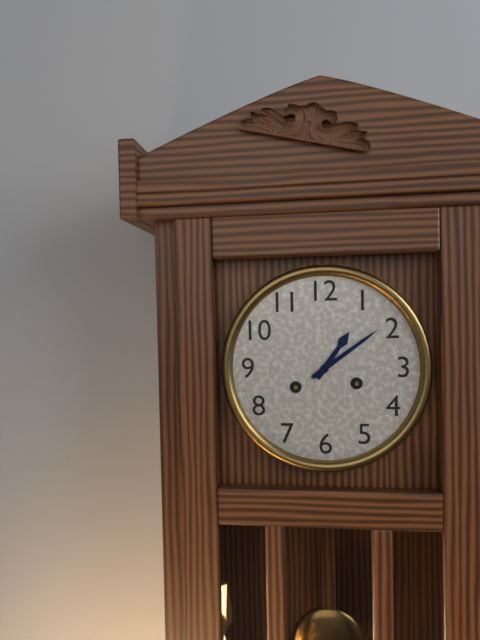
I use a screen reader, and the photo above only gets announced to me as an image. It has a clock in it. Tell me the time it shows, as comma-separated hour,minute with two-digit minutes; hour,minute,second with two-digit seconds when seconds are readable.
1,09
